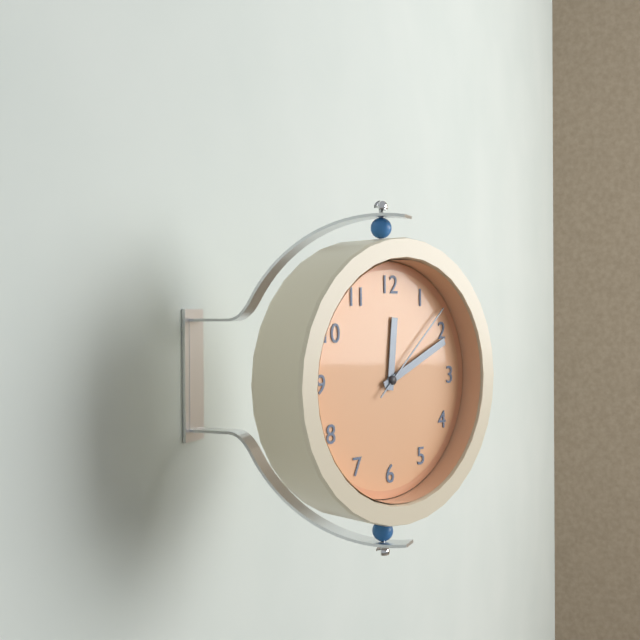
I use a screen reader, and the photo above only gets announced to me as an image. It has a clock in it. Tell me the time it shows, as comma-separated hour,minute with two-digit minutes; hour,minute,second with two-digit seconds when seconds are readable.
12,11,08
